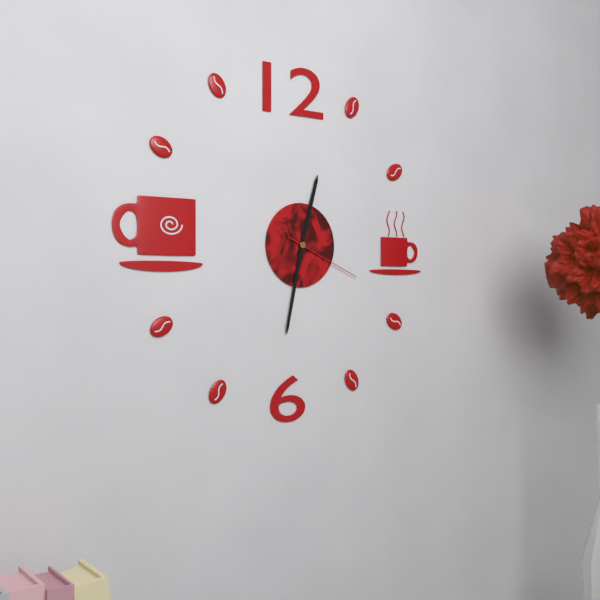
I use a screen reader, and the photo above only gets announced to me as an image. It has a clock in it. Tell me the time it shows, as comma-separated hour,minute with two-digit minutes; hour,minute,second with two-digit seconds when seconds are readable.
12,32,19
